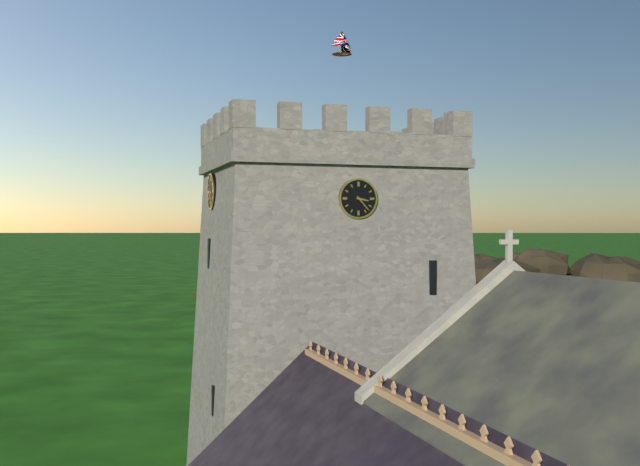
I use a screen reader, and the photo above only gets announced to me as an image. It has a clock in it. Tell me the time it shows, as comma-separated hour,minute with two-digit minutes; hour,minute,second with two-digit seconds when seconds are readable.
3,23
